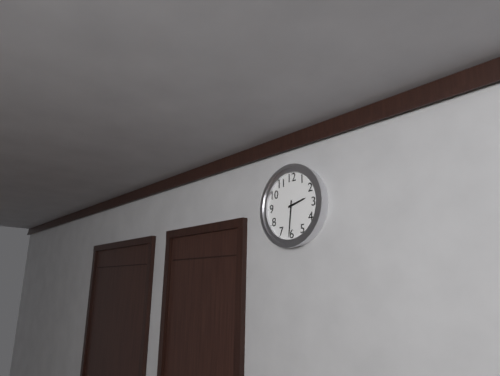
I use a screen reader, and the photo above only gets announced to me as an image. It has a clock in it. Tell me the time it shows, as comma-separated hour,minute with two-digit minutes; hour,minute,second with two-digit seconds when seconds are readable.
2,31
